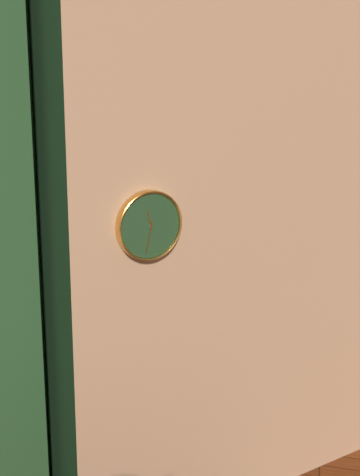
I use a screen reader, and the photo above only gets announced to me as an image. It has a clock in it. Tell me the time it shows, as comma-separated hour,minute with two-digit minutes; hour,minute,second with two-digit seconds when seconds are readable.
11,32
